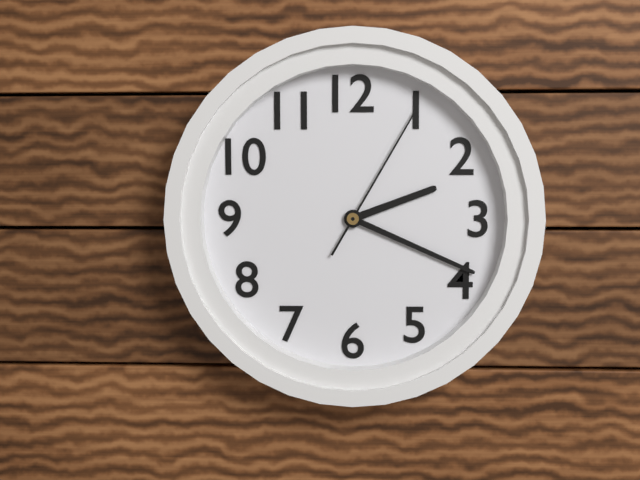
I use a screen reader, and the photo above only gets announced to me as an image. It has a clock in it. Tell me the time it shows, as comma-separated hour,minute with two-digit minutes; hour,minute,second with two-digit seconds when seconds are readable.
2,19,05
